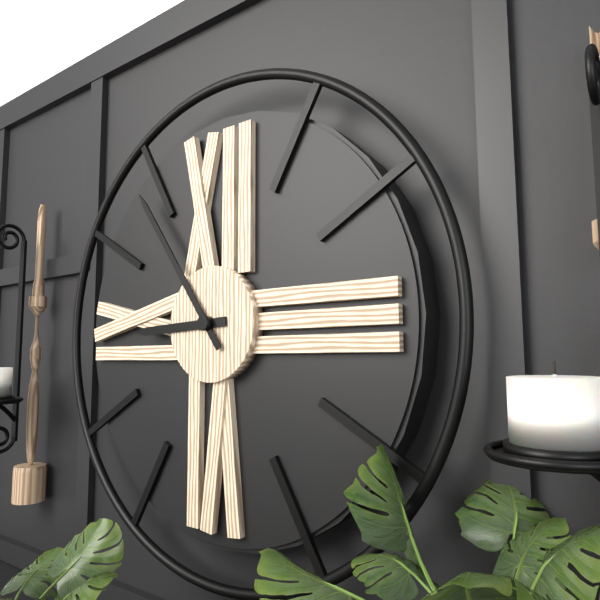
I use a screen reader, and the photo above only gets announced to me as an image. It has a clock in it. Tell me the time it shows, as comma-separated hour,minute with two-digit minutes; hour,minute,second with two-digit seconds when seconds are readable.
8,54
